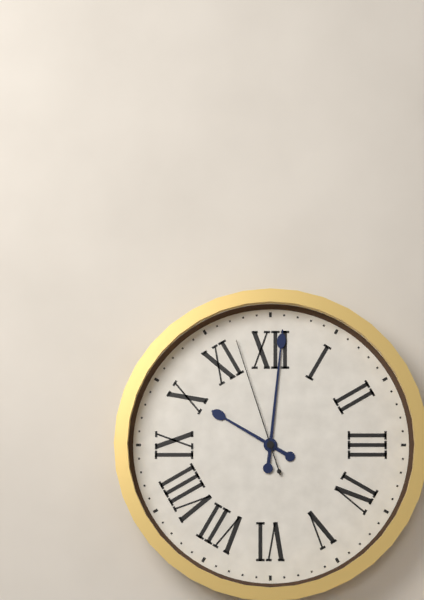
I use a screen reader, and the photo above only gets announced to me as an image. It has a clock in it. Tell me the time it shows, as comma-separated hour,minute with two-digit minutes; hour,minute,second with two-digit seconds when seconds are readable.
10,01,57
